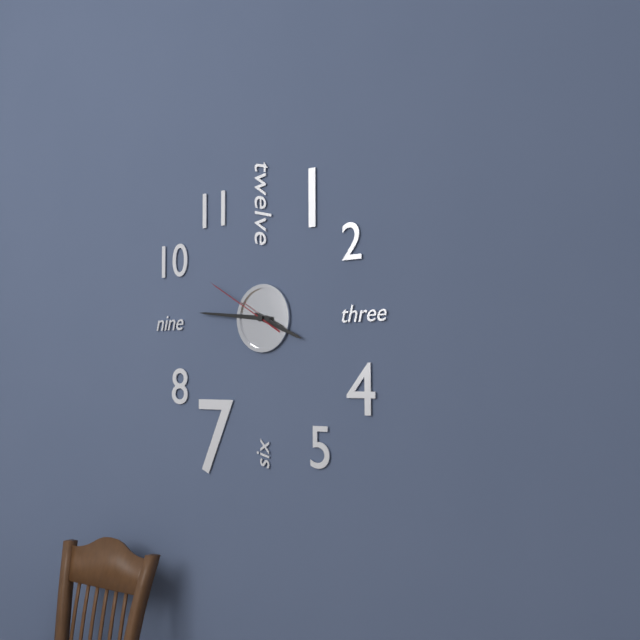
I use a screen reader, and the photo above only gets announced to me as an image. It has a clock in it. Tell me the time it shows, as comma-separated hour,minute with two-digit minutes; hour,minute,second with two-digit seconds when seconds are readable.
3,46,50
